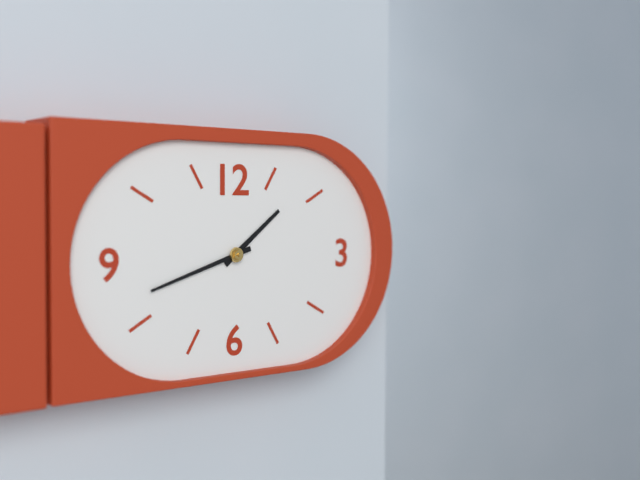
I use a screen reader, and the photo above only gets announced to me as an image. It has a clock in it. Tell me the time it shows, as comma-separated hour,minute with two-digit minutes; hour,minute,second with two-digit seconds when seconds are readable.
1,42
